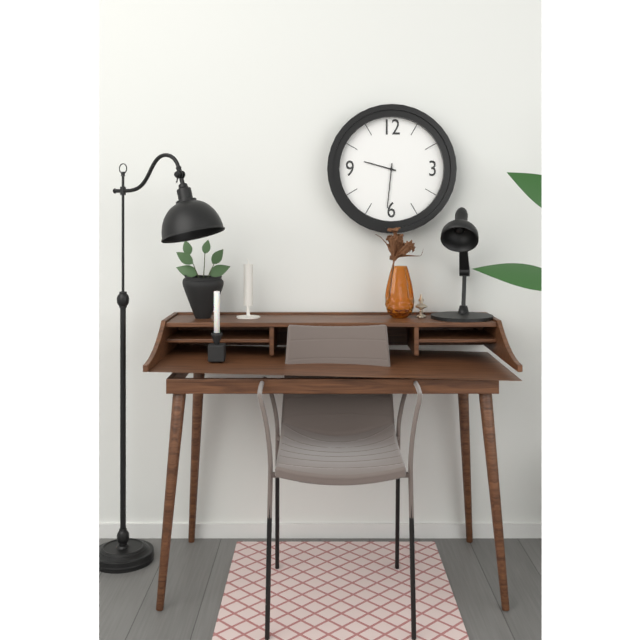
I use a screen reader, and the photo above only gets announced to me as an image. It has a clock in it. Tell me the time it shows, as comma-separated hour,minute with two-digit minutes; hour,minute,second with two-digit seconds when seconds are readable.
9,31
